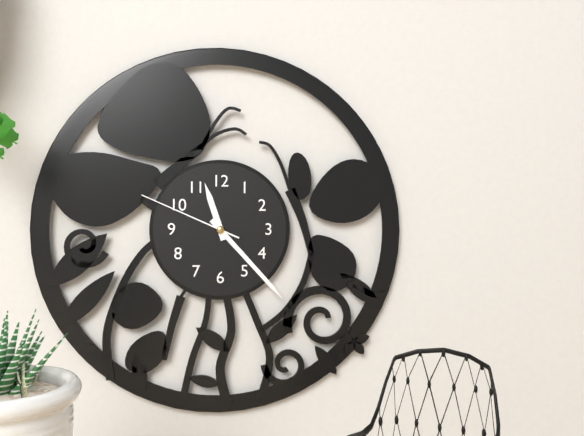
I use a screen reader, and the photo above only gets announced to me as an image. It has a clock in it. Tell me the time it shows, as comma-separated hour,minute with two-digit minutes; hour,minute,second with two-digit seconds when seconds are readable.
11,23,49
